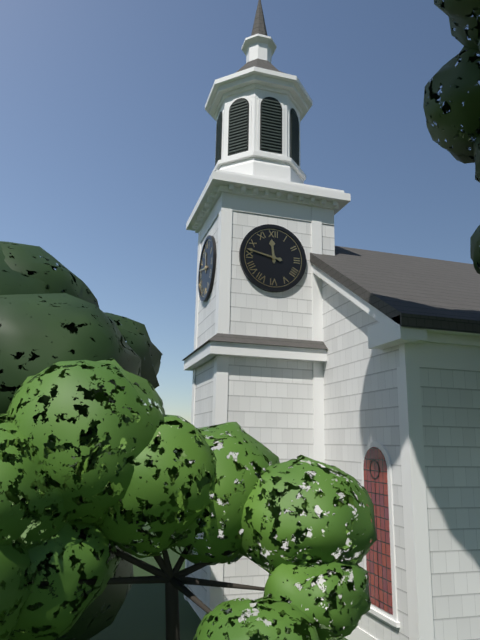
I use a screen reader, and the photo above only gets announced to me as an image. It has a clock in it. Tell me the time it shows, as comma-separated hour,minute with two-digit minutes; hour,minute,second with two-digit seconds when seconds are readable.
11,47
